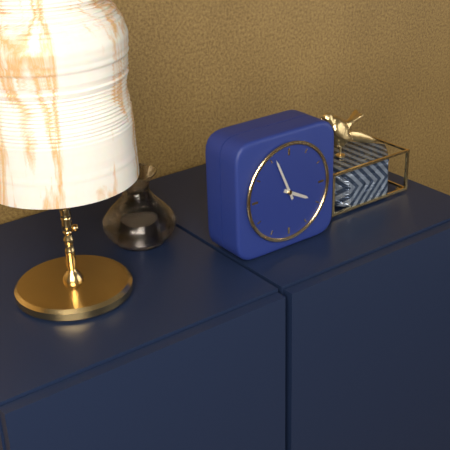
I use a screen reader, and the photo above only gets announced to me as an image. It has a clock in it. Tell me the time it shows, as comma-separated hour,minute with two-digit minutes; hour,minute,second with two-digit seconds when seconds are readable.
3,56
